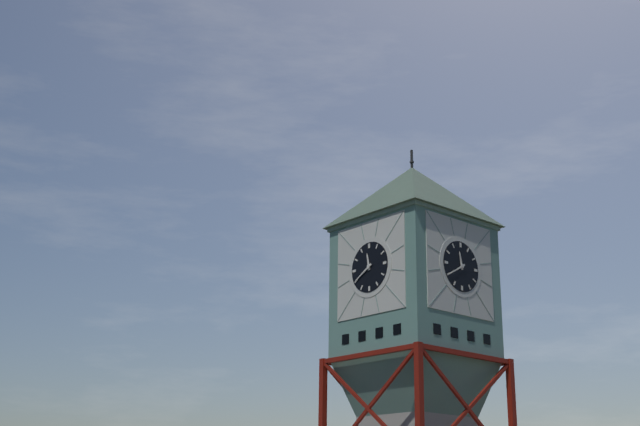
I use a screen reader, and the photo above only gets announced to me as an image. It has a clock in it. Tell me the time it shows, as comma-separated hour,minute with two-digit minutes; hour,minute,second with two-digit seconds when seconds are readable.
11,40
